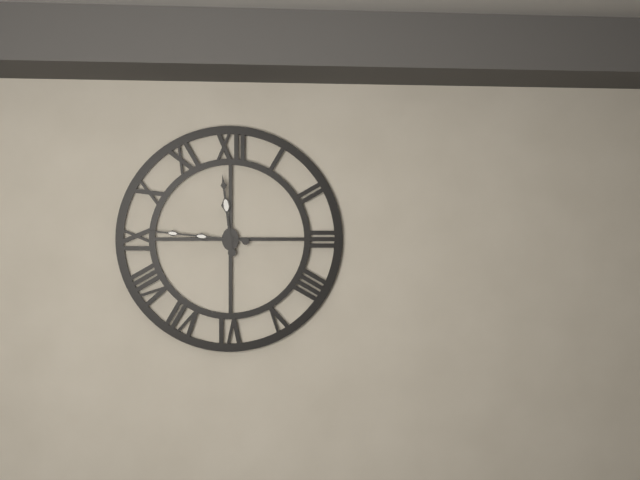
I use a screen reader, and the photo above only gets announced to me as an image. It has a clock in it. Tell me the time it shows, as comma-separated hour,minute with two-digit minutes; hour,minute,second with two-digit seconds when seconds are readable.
11,46
